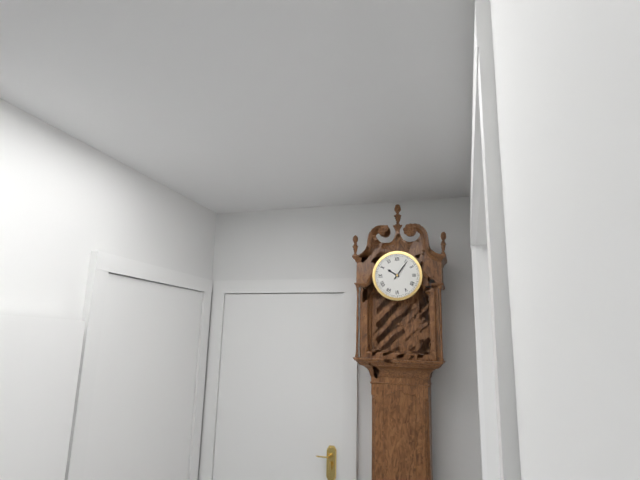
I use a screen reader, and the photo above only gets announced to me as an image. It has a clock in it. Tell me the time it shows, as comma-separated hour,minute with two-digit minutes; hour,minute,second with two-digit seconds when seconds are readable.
10,06
